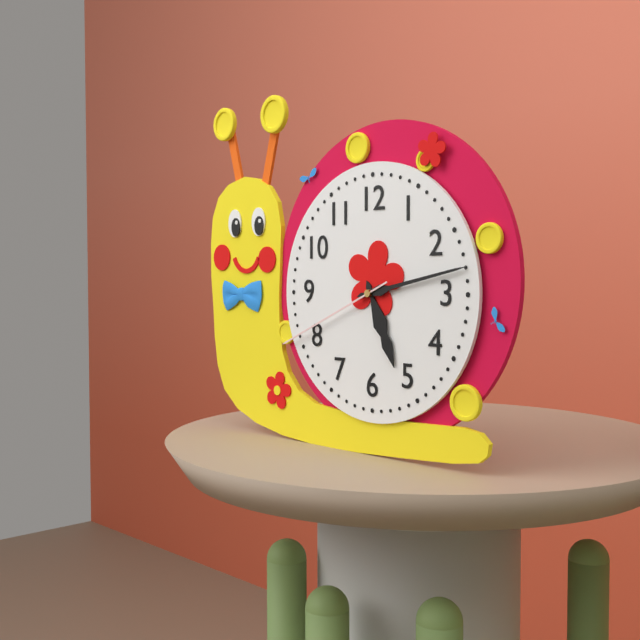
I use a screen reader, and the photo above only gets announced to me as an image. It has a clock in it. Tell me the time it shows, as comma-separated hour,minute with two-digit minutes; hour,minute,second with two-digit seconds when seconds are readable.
5,13,41
